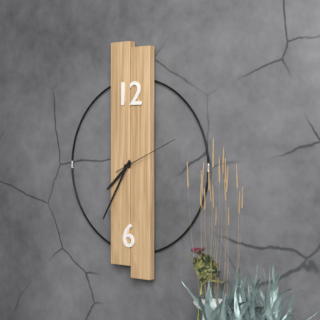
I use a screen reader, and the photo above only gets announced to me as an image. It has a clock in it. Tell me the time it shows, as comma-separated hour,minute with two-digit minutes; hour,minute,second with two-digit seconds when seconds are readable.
7,35,11
